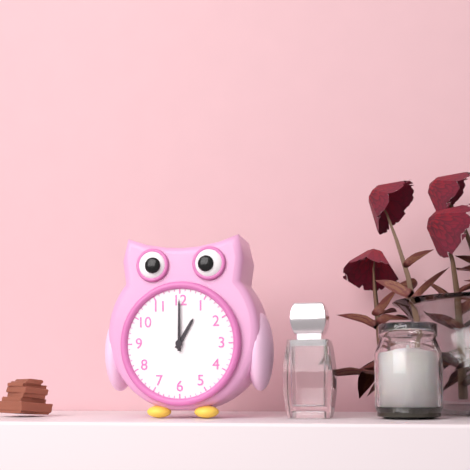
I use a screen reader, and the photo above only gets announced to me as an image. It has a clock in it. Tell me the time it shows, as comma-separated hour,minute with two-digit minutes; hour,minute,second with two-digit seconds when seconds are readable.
1,00
